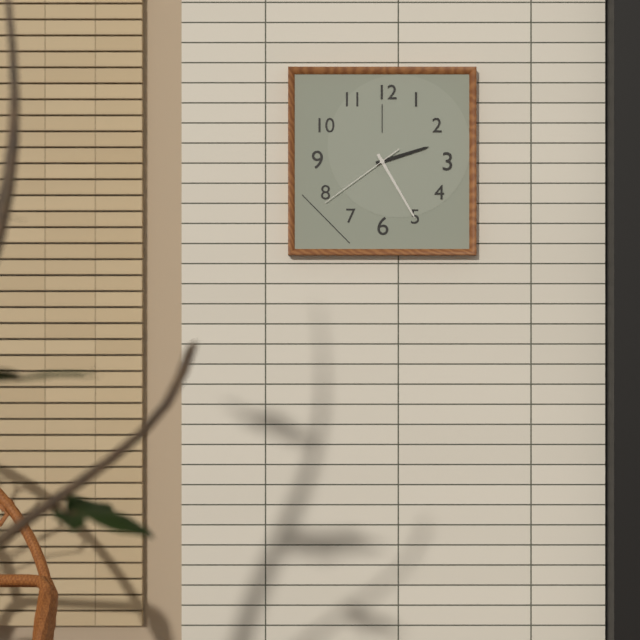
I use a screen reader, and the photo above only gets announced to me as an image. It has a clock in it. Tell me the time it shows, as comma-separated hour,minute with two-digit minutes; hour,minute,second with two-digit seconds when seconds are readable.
2,25,39
